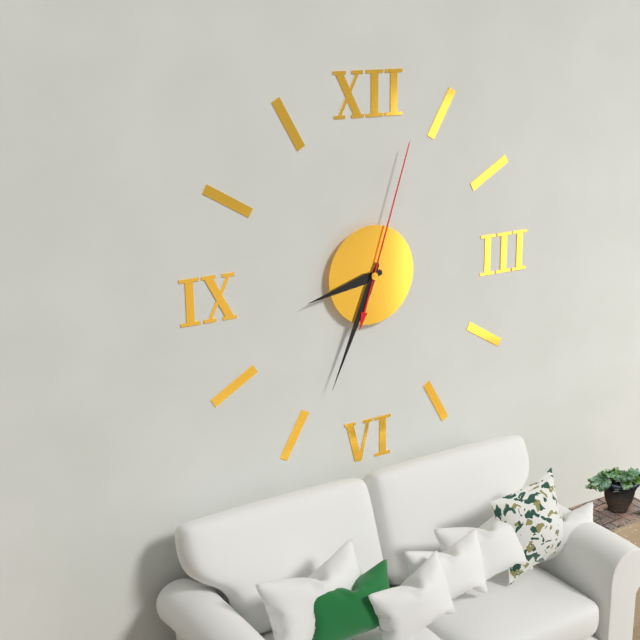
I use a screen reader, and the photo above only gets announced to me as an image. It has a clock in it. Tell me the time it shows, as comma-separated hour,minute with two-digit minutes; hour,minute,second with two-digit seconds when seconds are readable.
8,34,03
